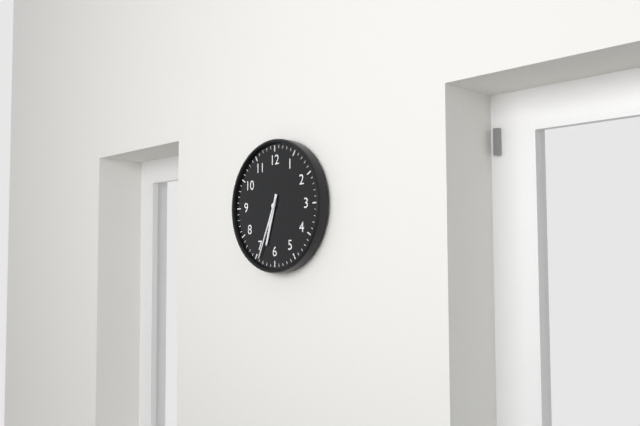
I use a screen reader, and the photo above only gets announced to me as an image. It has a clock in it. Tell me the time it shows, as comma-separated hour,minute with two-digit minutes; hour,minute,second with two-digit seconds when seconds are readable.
6,34
